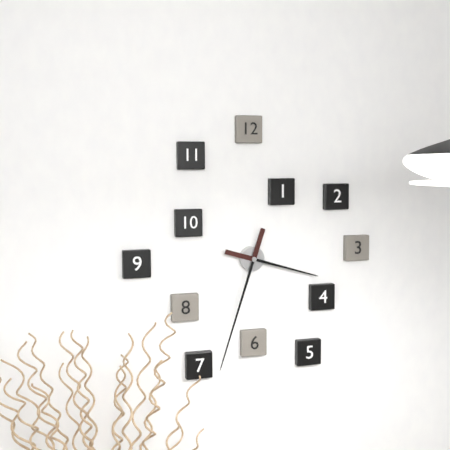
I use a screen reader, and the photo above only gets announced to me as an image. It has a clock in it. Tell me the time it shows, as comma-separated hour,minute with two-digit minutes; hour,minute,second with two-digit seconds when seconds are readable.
3,33
